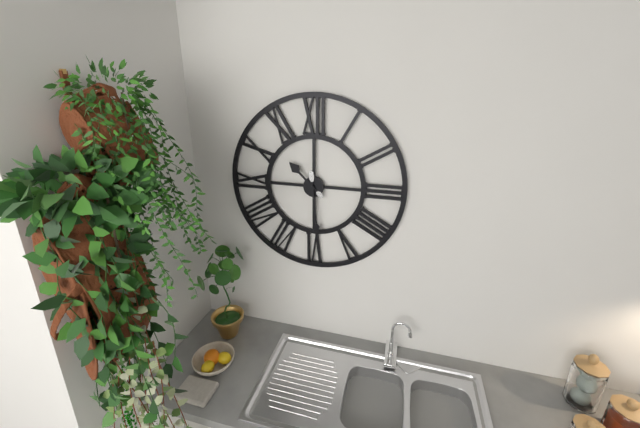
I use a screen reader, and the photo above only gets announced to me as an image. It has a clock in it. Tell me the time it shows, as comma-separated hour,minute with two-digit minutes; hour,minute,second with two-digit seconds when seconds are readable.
10,29
